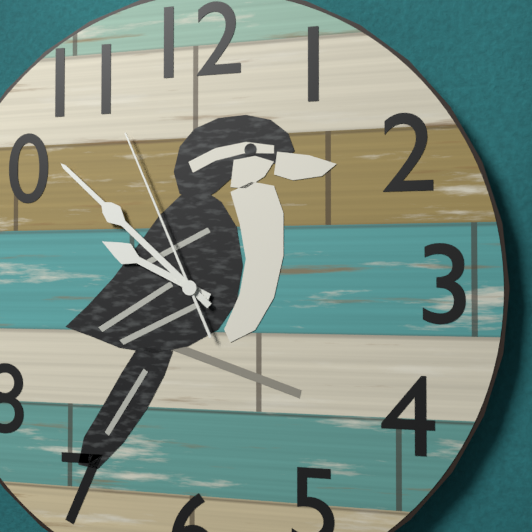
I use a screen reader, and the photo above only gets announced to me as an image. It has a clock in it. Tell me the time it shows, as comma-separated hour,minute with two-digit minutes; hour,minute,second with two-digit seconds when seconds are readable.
9,52,56
